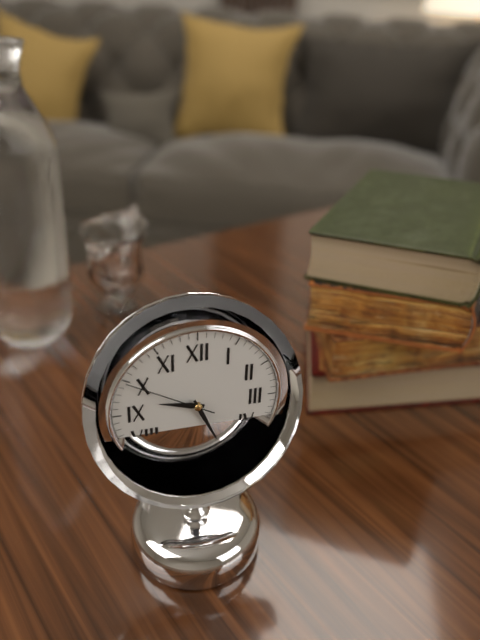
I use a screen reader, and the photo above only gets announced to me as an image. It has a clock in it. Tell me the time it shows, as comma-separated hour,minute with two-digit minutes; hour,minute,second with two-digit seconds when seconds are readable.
9,26,50
